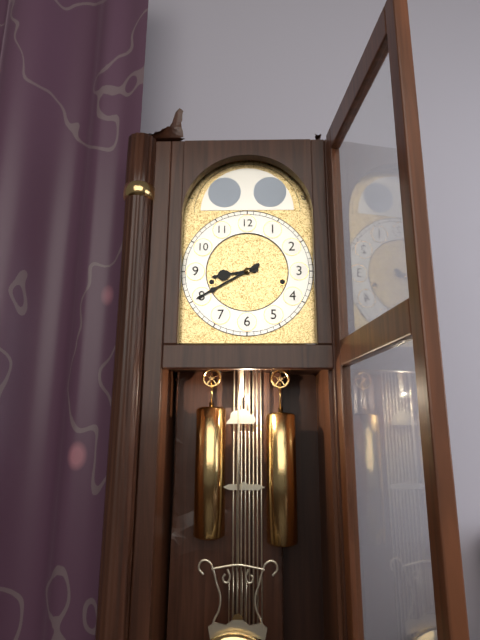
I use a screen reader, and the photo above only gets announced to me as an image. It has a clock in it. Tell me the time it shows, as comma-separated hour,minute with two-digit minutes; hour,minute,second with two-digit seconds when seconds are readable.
8,40
